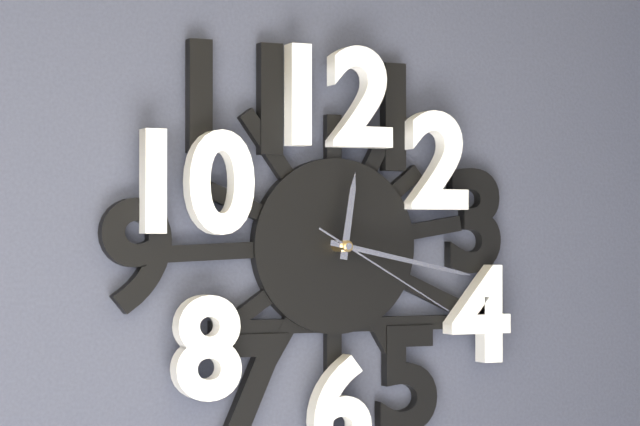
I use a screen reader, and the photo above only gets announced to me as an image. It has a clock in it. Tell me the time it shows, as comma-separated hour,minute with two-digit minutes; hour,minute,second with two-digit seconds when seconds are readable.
12,17,20
